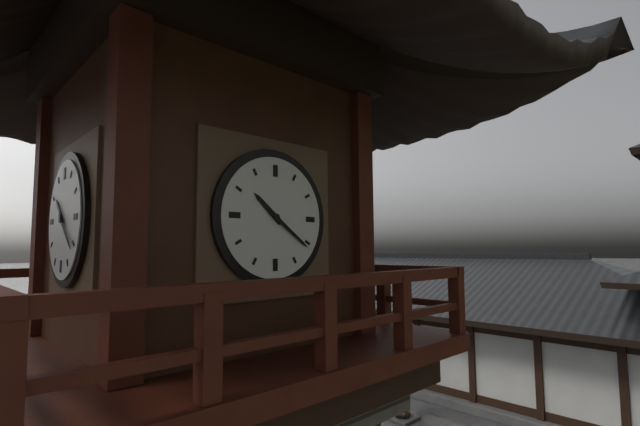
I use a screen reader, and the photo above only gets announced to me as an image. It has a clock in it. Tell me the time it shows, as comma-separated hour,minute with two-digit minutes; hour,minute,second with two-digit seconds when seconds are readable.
10,21
